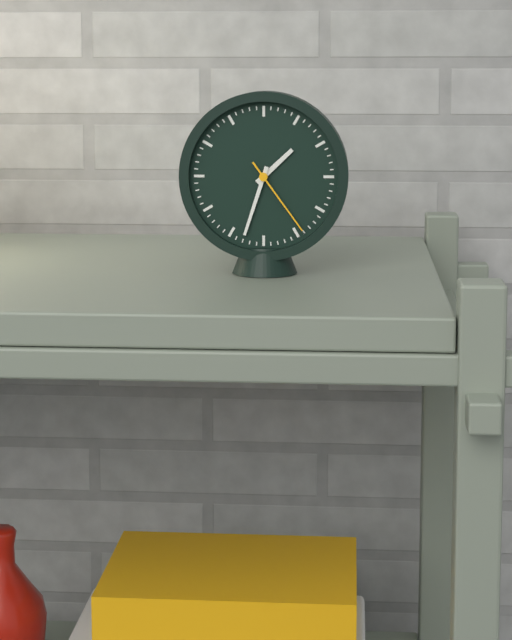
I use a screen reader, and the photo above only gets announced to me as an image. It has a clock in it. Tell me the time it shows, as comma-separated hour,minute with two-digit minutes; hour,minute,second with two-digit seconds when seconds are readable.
1,33,24
